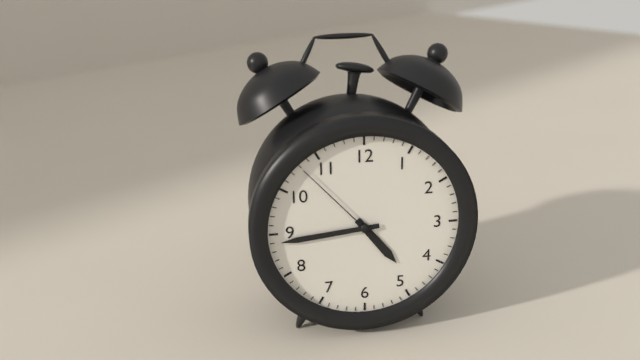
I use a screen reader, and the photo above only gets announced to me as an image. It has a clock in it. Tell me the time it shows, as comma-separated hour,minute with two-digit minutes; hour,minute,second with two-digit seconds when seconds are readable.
4,44,53
